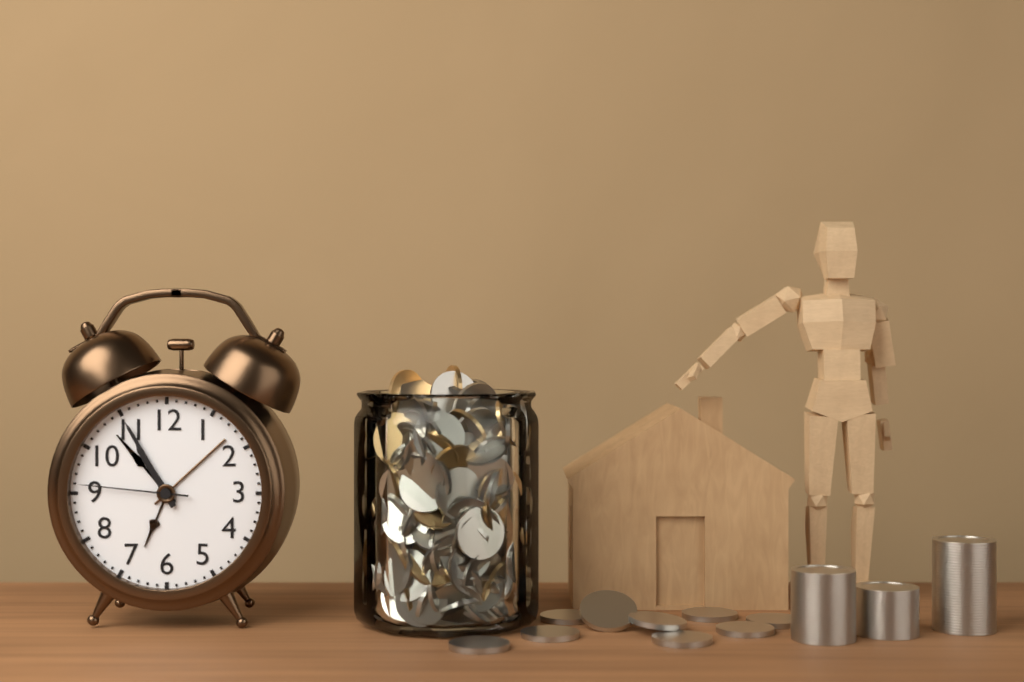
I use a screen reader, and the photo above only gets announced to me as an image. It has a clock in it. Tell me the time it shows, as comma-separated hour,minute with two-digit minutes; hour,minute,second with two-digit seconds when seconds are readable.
10,55,46
